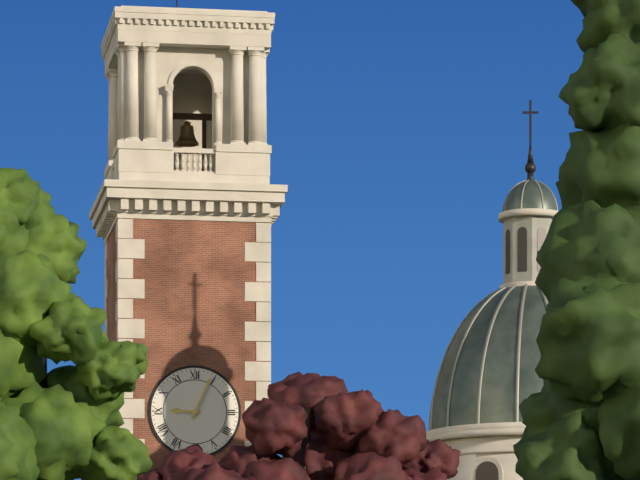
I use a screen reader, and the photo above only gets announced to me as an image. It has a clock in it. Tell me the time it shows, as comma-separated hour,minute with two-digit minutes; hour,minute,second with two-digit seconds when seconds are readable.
9,04
